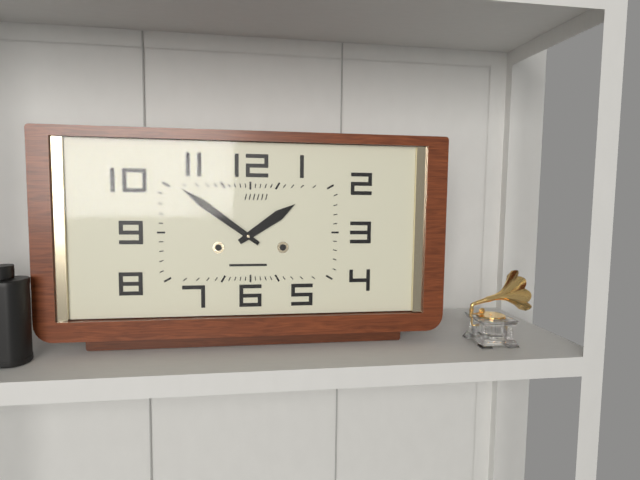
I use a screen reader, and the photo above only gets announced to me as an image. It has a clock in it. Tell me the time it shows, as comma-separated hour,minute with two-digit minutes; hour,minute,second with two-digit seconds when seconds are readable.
1,51
